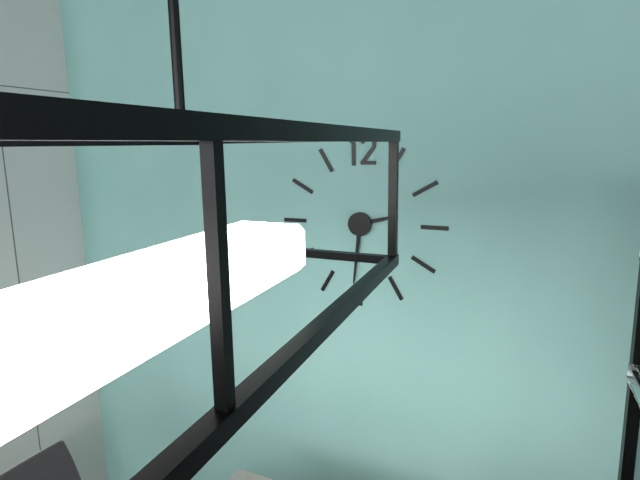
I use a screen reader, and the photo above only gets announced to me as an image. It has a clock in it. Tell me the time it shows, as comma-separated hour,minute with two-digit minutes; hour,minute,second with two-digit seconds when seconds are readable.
2,31
